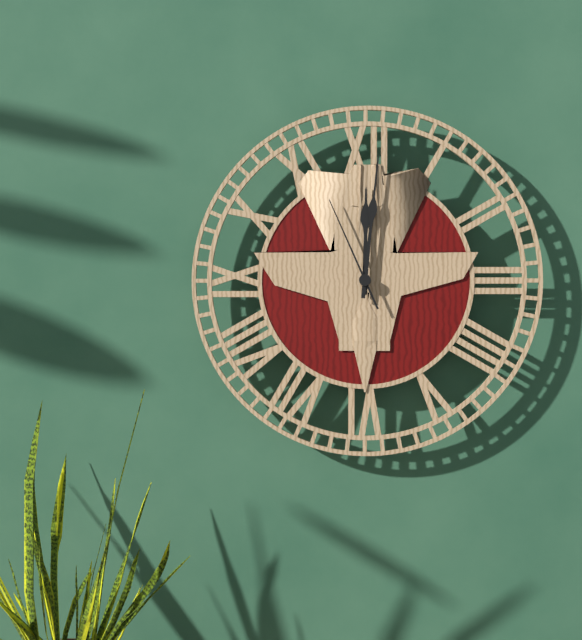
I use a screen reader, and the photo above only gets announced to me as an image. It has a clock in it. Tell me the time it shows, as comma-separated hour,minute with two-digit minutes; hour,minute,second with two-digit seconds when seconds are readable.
12,01,56
